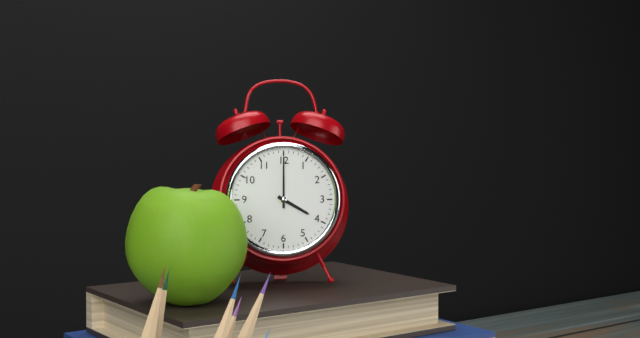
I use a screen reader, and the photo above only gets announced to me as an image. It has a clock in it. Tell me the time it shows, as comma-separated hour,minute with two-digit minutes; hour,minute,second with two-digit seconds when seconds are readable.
4,00
